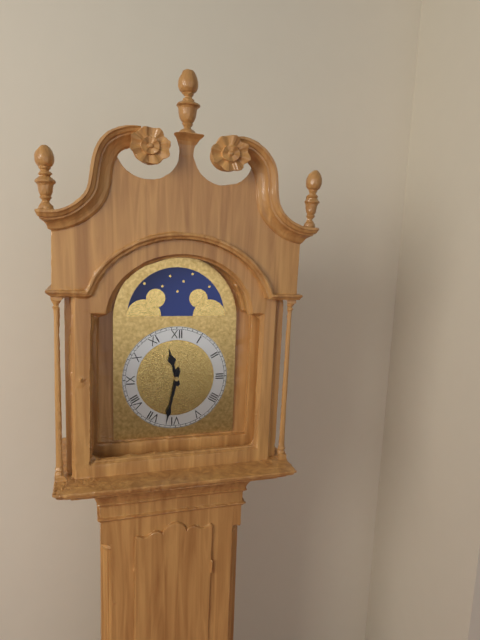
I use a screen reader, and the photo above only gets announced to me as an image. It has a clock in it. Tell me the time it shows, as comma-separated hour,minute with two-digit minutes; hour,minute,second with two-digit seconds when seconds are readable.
11,32
